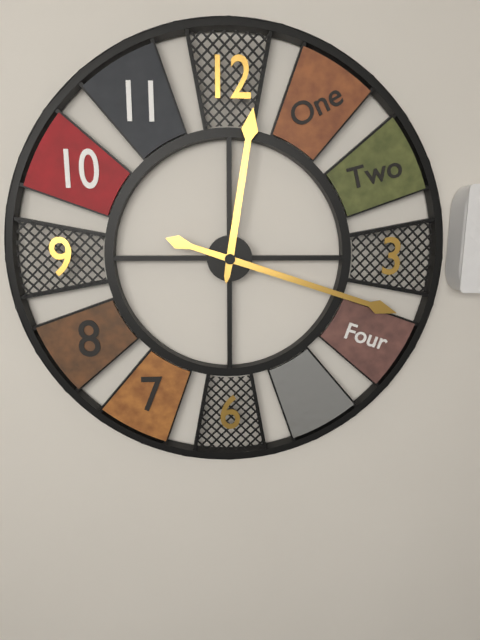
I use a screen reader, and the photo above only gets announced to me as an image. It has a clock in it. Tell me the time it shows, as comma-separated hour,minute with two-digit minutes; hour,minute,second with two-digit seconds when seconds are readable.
12,18
